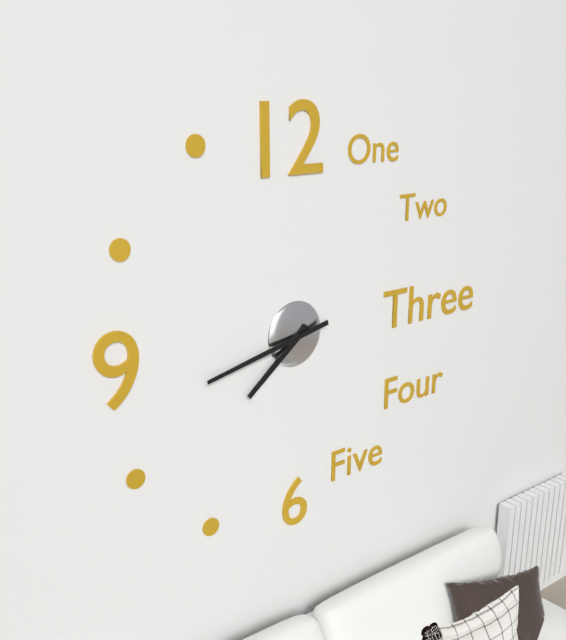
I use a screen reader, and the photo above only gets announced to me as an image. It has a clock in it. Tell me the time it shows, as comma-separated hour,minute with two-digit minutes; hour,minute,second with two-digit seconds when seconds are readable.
7,43
